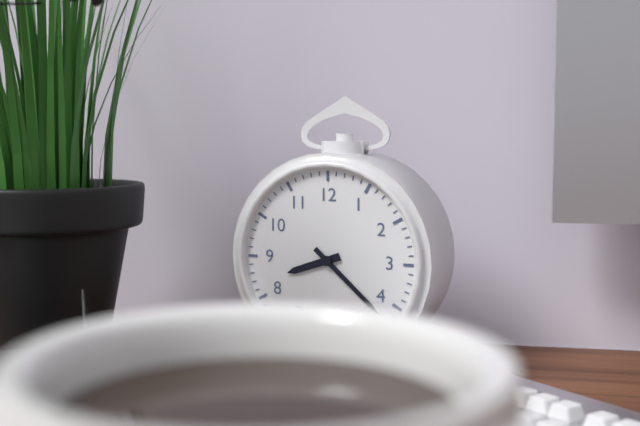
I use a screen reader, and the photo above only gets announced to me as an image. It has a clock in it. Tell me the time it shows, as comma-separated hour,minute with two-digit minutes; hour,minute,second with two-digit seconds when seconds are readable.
8,22
